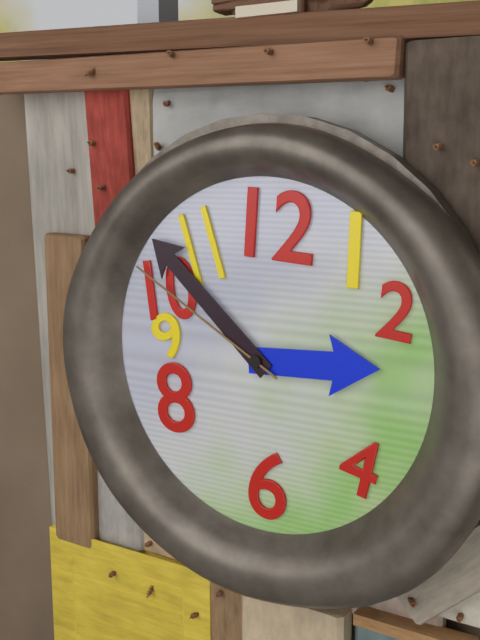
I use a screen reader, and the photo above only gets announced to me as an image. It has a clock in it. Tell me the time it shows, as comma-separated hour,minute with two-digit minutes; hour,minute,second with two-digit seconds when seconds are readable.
2,52,50
